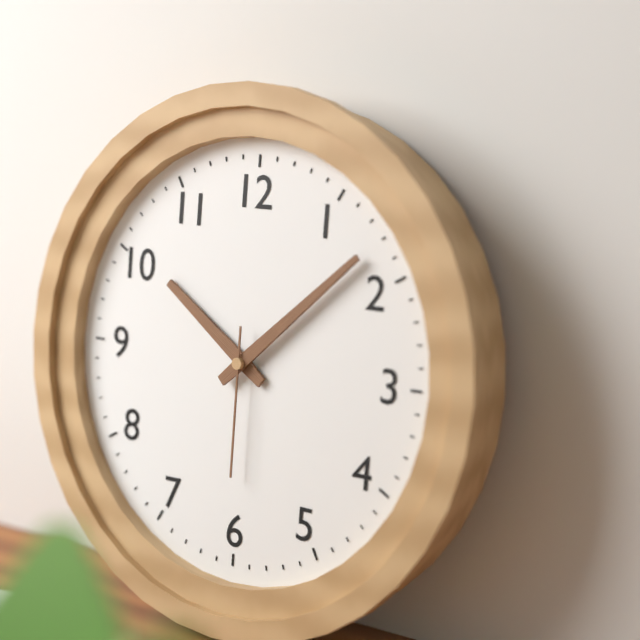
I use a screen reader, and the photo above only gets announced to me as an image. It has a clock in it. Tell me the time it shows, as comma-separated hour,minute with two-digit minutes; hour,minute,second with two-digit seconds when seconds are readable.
10,08,30
